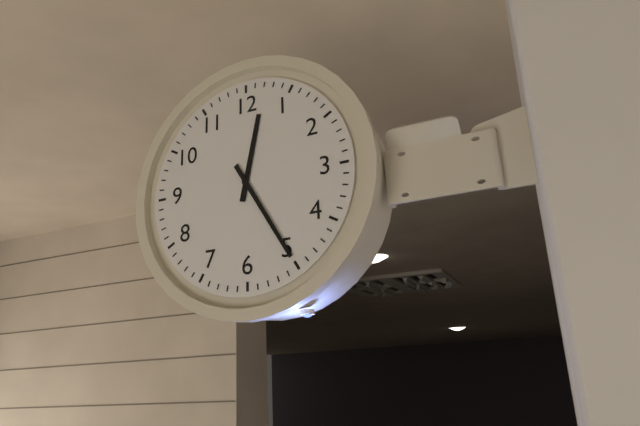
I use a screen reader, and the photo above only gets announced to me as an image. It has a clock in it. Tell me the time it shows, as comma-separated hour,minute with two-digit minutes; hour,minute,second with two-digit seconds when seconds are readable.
12,25
